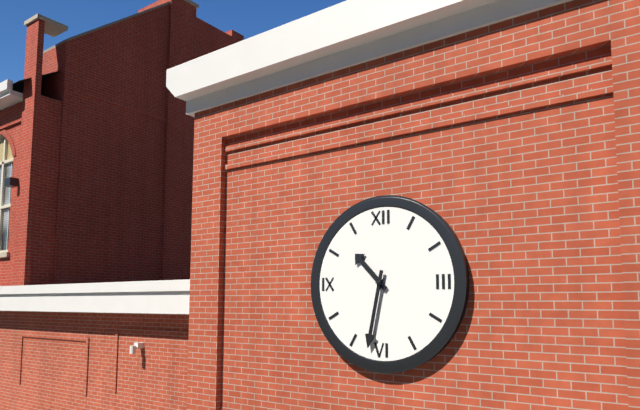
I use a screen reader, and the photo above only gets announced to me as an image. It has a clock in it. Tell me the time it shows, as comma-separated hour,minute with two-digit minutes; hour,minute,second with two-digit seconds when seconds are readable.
10,32
